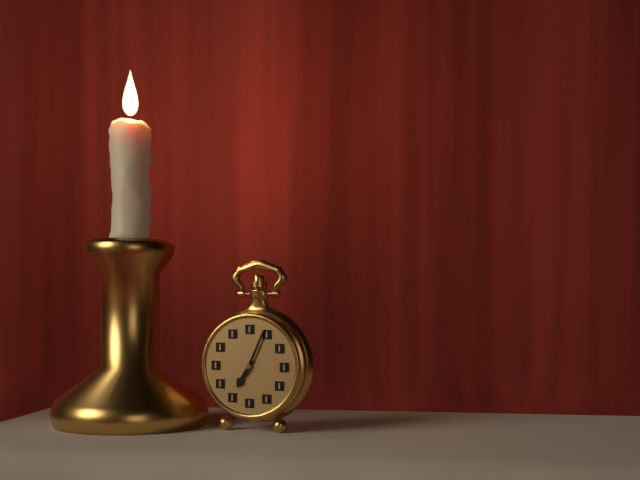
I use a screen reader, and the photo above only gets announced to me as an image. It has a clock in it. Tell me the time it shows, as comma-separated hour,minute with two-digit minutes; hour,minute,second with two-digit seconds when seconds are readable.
7,04
